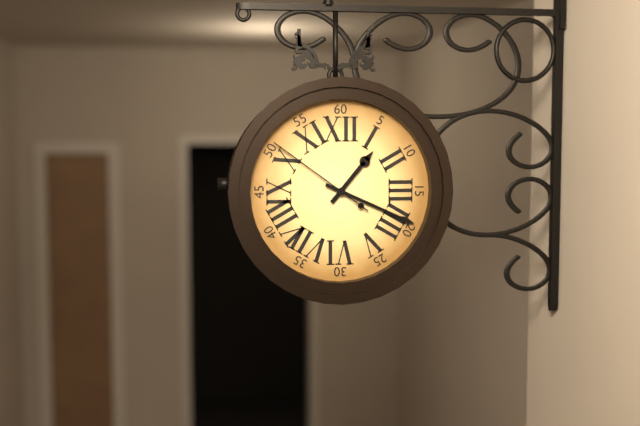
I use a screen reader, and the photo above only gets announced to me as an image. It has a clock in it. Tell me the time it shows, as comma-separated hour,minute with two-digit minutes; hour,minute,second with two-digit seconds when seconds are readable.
1,19,51
